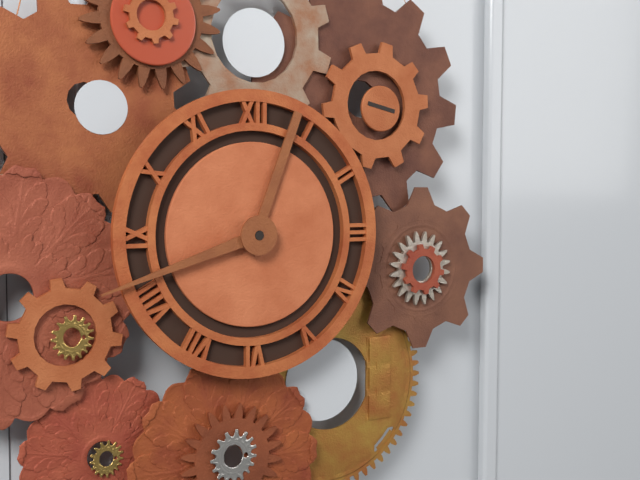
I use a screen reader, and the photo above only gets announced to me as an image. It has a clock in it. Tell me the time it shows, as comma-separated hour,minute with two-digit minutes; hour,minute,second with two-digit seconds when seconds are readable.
12,42
